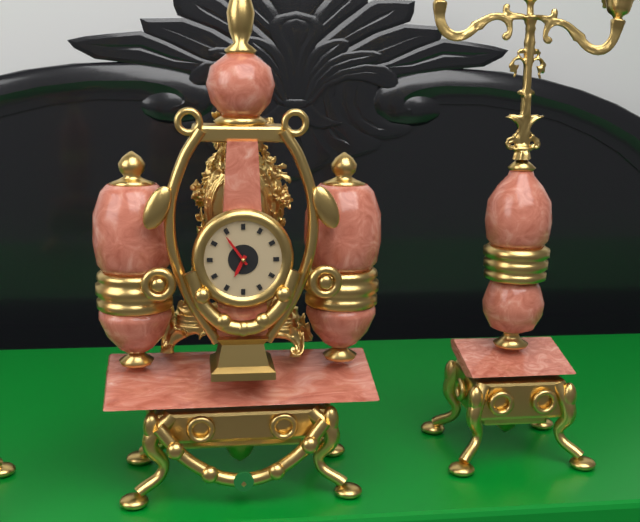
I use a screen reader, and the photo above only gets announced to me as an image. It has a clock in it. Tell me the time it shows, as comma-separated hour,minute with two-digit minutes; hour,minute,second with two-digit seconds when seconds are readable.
6,54
